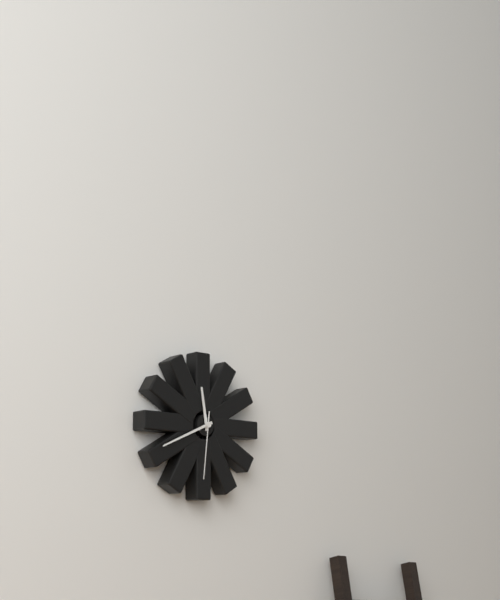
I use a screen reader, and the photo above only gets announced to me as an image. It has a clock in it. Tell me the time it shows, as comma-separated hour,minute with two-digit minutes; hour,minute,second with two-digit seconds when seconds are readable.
11,41,31
